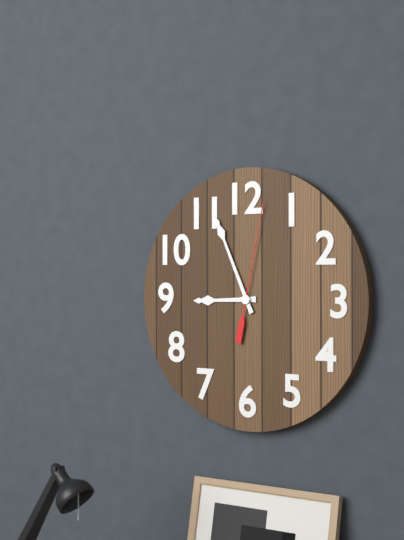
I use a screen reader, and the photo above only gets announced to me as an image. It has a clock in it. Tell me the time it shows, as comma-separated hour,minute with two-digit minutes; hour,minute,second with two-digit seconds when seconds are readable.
8,56,02
